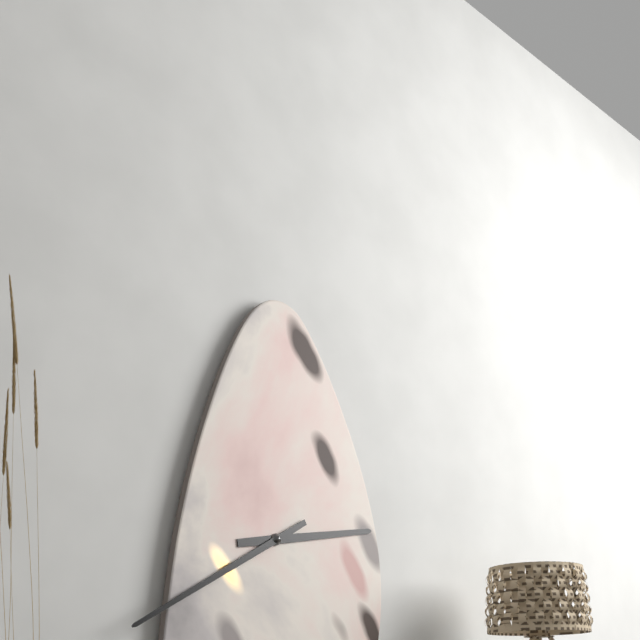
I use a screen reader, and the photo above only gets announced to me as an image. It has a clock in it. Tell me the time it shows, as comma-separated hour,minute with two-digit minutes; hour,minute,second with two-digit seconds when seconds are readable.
2,40
